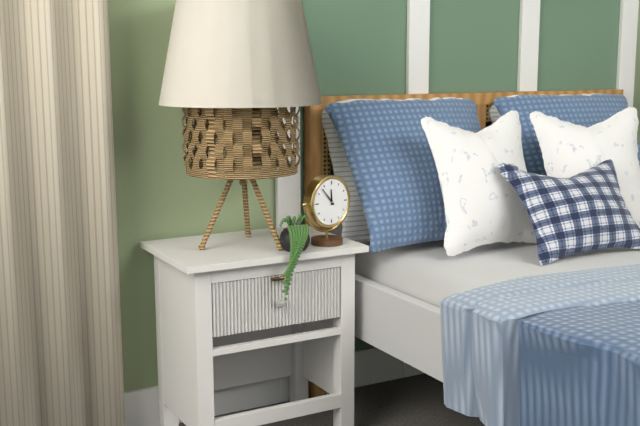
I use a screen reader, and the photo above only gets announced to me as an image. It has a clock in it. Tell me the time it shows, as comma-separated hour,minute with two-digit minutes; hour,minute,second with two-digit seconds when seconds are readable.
11,53
